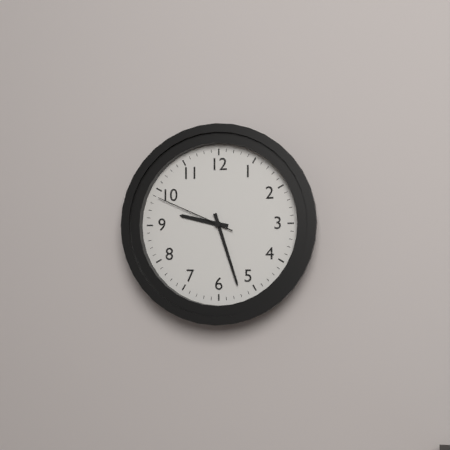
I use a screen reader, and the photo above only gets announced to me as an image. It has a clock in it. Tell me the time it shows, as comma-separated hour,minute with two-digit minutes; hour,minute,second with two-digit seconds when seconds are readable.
9,27,49
